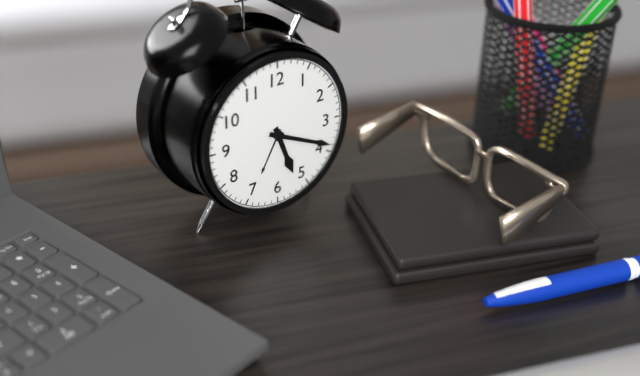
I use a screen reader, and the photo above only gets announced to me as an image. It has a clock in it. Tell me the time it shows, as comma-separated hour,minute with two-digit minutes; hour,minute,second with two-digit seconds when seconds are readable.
5,19
